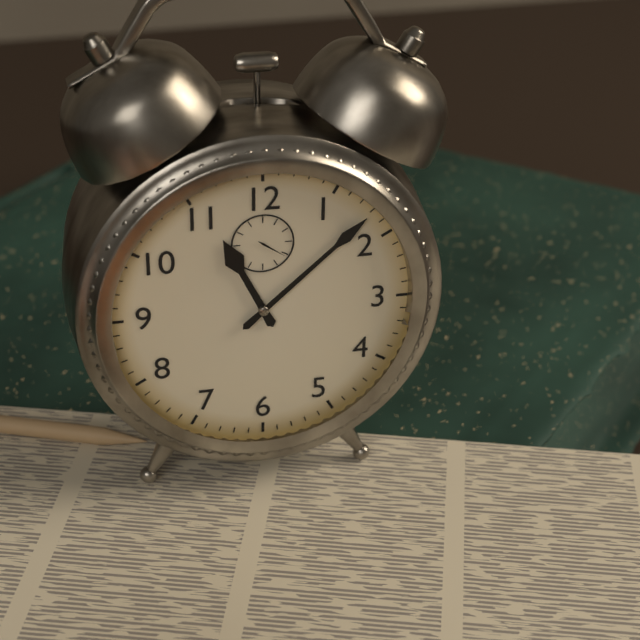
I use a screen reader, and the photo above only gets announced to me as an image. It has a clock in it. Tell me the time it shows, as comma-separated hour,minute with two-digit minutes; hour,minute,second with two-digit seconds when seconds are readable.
11,08
